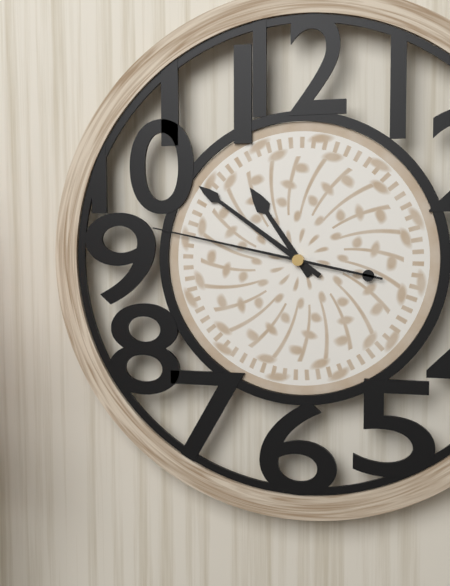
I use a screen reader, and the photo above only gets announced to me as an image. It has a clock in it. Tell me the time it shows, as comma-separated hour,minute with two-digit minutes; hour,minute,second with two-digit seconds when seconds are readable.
10,51,47
